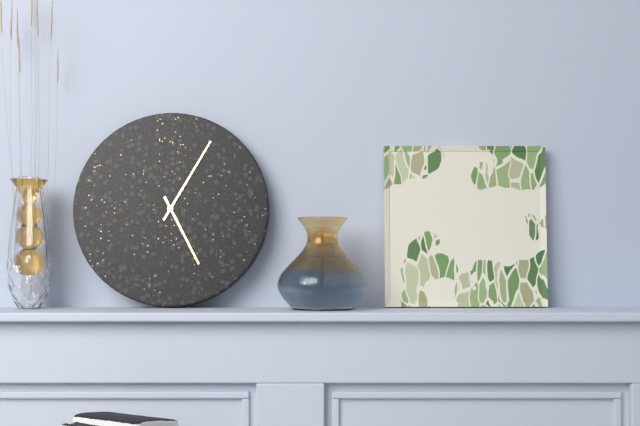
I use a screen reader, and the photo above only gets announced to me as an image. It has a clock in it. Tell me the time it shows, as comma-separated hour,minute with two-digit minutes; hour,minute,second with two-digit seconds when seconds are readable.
5,05
